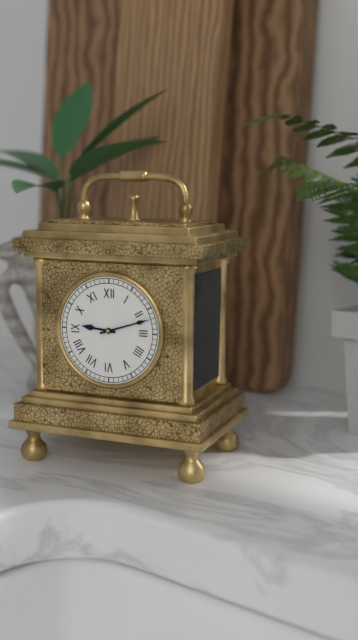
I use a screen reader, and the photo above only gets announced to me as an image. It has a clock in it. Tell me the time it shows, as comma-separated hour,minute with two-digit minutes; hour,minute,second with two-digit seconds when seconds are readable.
9,12
